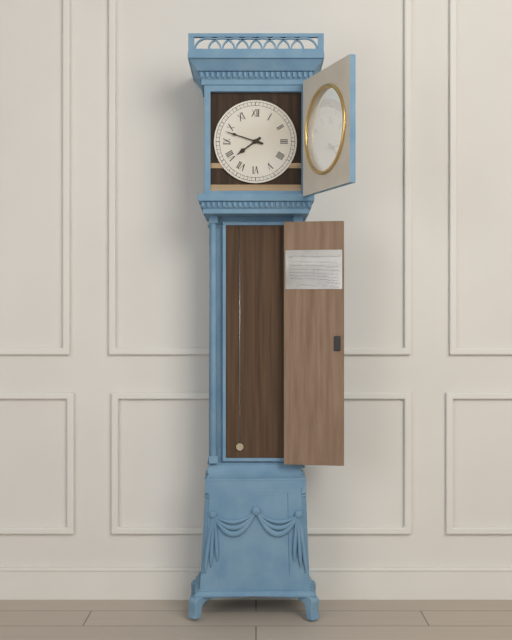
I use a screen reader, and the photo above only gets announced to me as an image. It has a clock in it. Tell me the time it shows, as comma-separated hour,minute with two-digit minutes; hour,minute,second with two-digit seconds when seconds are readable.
7,48
